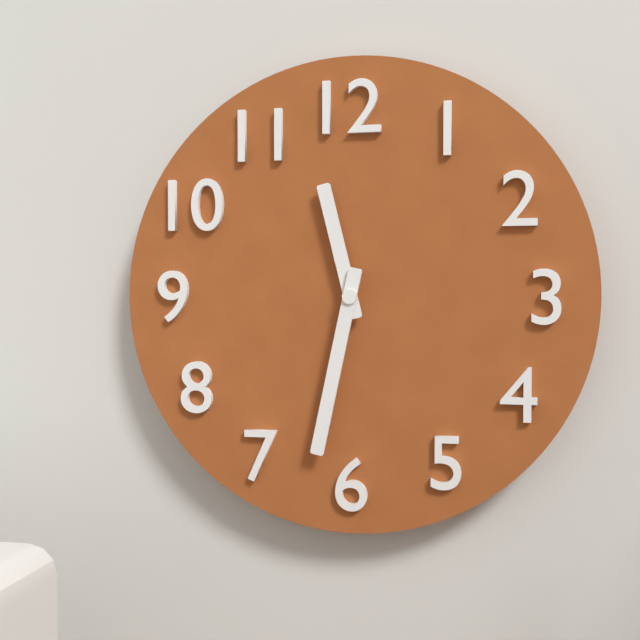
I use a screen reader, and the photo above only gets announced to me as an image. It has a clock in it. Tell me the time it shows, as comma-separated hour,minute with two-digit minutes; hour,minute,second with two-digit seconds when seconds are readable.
11,32
